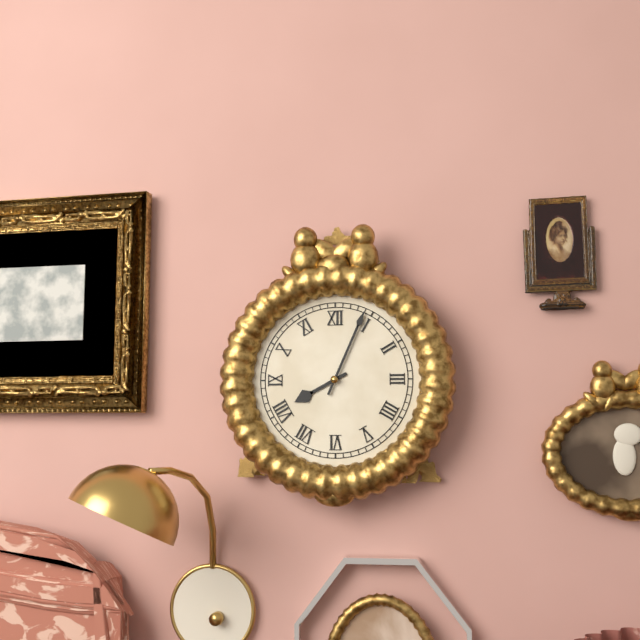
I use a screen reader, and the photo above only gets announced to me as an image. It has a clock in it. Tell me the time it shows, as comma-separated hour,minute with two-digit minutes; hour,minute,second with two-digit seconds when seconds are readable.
8,04
